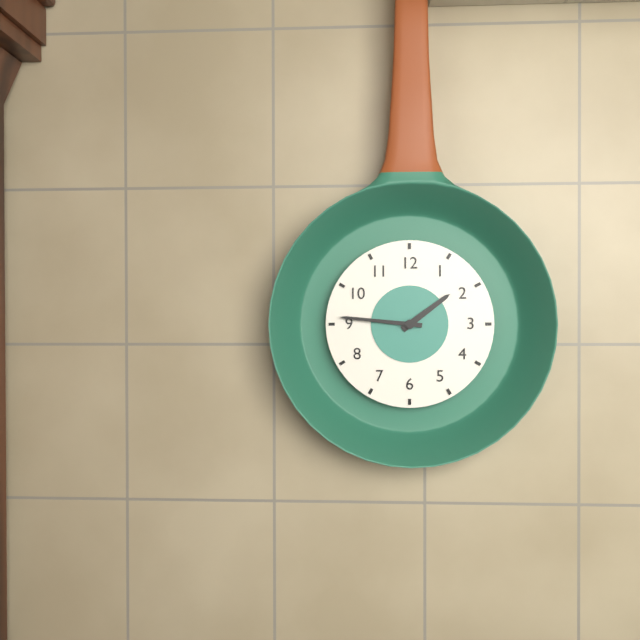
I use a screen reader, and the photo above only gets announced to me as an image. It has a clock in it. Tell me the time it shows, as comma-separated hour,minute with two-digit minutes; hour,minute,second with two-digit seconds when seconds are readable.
1,46
